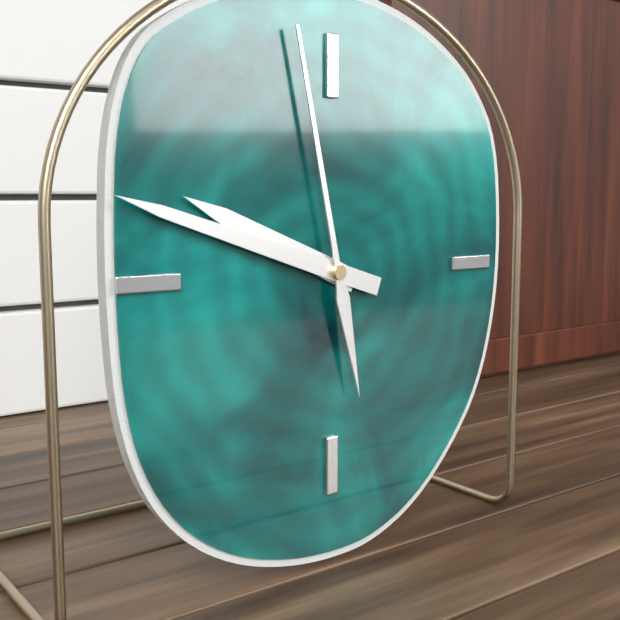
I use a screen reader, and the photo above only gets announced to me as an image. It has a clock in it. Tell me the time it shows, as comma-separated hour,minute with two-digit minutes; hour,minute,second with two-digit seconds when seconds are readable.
9,48,58
